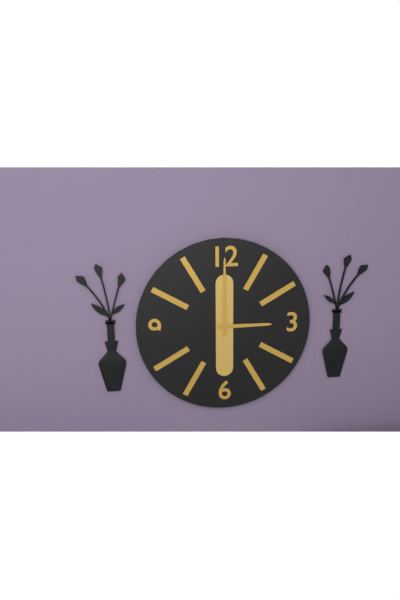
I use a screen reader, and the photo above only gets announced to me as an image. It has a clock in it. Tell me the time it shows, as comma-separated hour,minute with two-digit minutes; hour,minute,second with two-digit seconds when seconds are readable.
3,00
